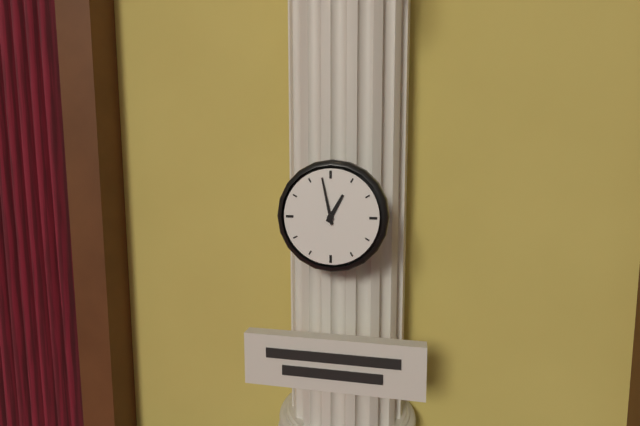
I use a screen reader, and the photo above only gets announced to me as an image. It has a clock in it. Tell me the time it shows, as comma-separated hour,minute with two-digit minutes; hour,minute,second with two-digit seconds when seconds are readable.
12,58
